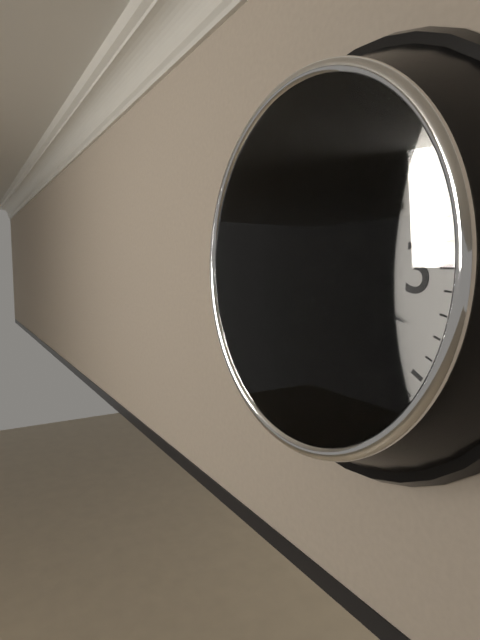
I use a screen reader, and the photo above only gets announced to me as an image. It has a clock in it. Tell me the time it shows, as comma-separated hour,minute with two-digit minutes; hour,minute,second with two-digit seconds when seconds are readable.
11,18
